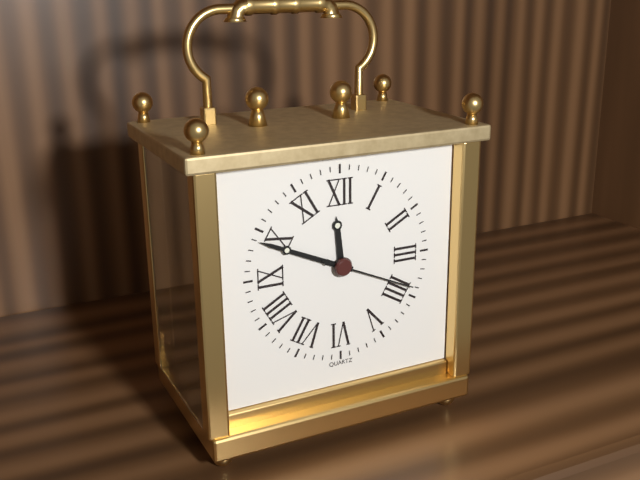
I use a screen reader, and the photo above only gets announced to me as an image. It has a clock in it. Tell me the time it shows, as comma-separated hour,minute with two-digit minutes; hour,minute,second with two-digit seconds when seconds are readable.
11,49,19
